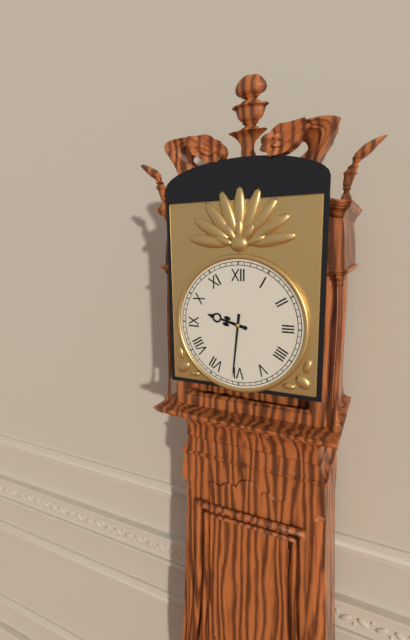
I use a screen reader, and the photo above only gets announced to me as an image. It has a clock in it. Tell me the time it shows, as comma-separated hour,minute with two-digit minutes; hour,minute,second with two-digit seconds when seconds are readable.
9,31
